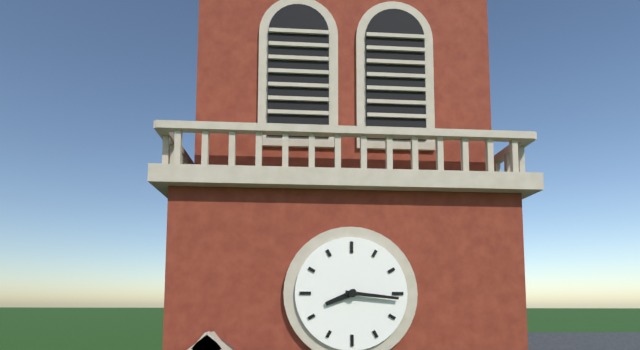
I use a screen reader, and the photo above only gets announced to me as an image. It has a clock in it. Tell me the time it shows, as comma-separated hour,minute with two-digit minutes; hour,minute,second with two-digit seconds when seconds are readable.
8,16
